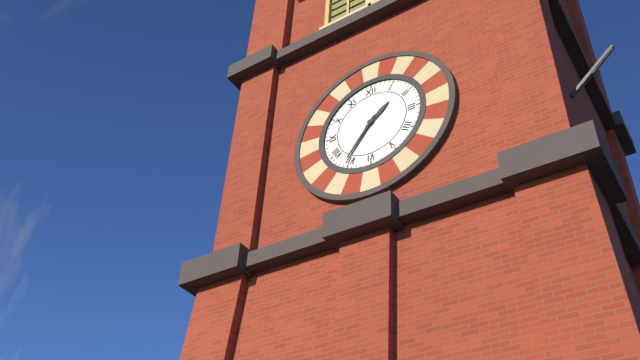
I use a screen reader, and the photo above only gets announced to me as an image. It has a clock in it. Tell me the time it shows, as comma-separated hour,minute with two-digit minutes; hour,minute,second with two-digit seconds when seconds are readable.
1,36
